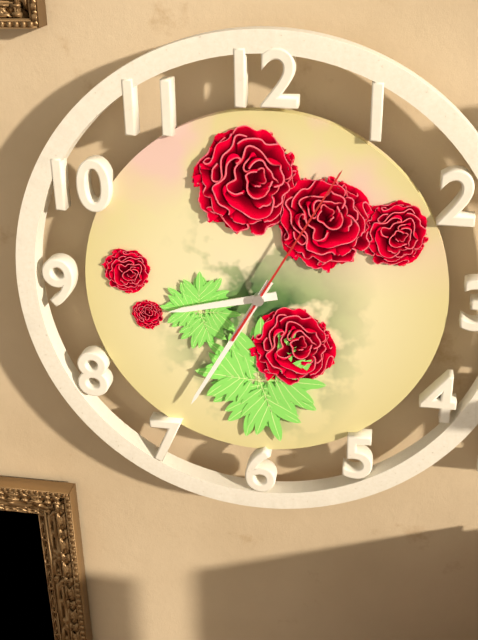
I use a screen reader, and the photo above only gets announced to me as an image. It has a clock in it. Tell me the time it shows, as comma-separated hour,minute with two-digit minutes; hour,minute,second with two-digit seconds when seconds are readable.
8,35,05
